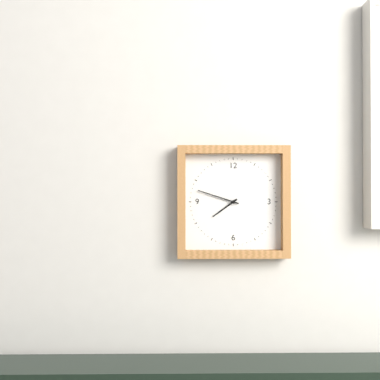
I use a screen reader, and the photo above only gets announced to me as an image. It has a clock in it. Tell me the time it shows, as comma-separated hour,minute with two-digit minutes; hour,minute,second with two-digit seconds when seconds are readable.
7,48
